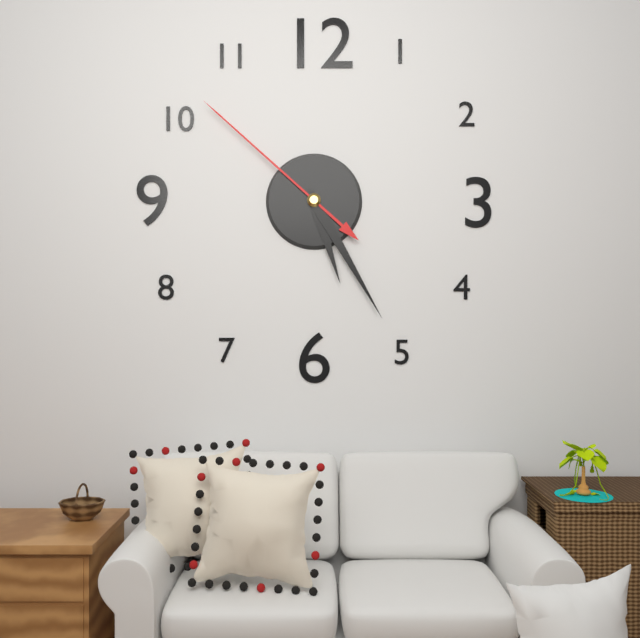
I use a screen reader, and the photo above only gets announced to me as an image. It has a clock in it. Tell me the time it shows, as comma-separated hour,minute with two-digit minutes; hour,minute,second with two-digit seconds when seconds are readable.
5,25,52
